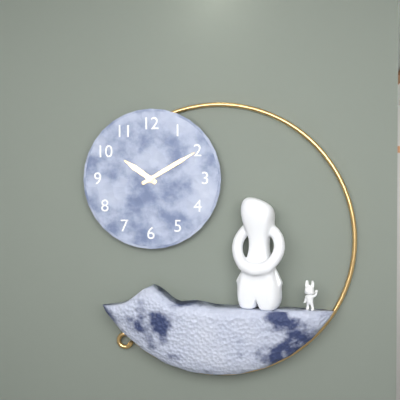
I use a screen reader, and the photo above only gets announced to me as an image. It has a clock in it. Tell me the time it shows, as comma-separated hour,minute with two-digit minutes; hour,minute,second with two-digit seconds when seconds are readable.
10,10
